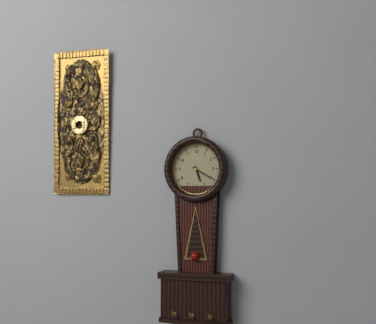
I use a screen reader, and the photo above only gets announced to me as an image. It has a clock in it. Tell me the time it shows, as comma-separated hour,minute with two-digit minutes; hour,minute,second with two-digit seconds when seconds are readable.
5,20
